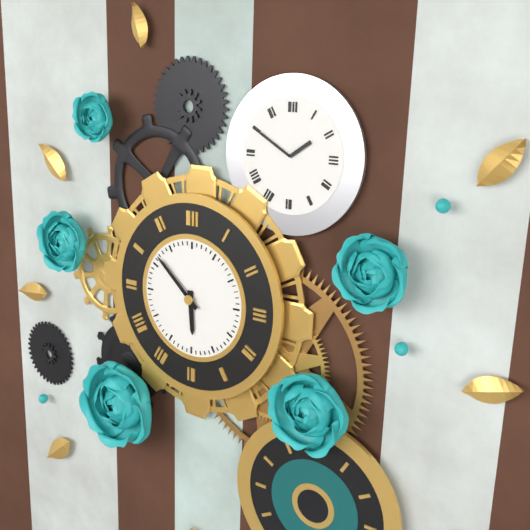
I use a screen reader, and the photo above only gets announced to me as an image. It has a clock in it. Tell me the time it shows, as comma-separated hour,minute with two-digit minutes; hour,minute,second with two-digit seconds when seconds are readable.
5,52
